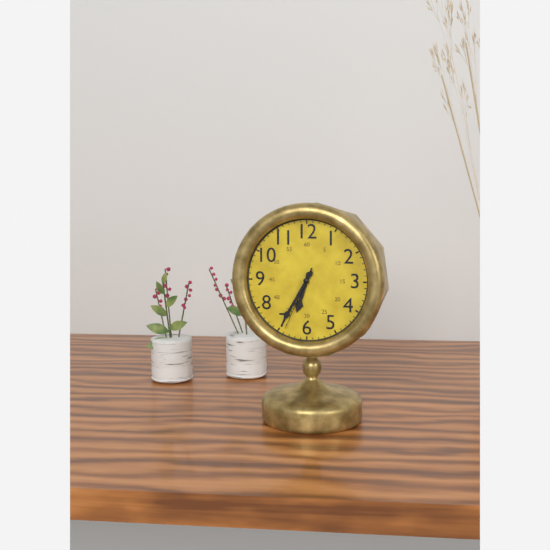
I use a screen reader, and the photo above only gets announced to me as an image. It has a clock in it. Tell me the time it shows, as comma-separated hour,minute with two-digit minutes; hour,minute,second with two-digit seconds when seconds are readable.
6,35,34
